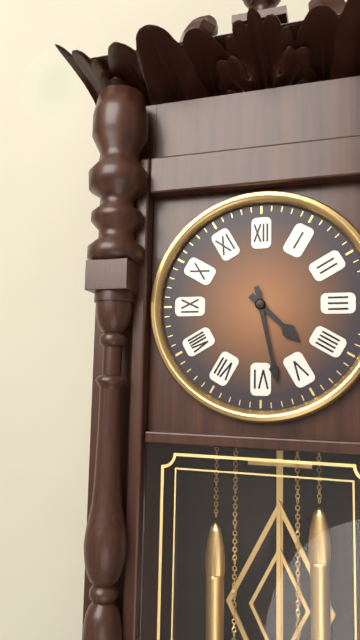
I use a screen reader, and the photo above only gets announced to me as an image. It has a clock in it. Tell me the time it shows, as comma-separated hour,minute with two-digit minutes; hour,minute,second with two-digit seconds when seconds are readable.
4,28
